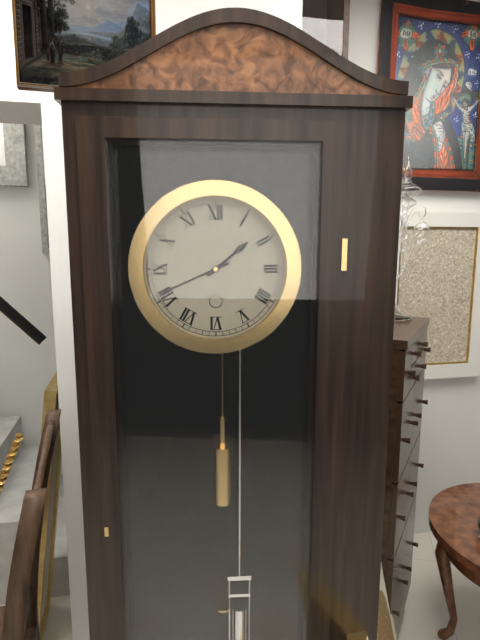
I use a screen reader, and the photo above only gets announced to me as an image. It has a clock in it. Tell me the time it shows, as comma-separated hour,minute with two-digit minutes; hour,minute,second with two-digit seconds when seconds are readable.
1,41
